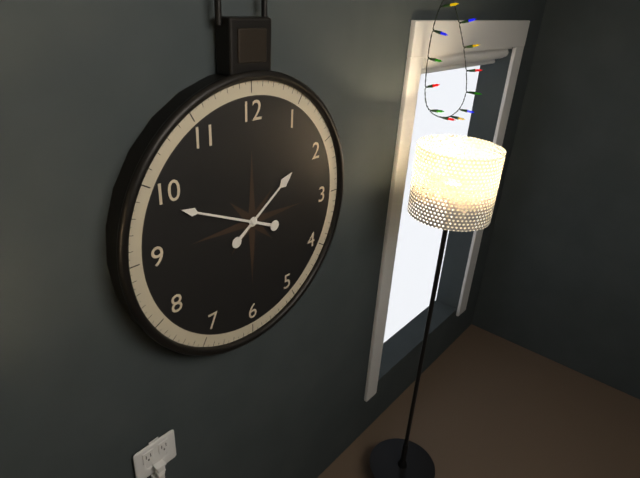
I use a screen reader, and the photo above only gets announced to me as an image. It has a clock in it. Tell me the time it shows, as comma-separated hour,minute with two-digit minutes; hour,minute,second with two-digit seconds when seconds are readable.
1,49
